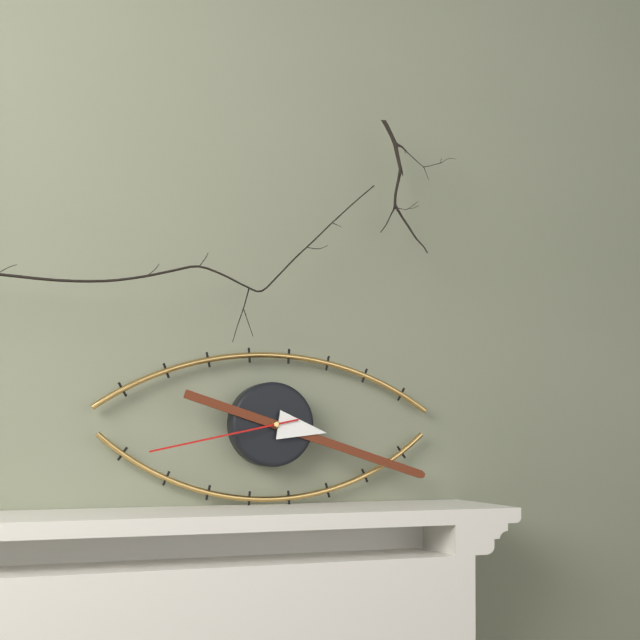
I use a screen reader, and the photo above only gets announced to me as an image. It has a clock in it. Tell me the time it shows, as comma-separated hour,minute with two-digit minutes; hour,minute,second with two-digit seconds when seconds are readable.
3,18,43
